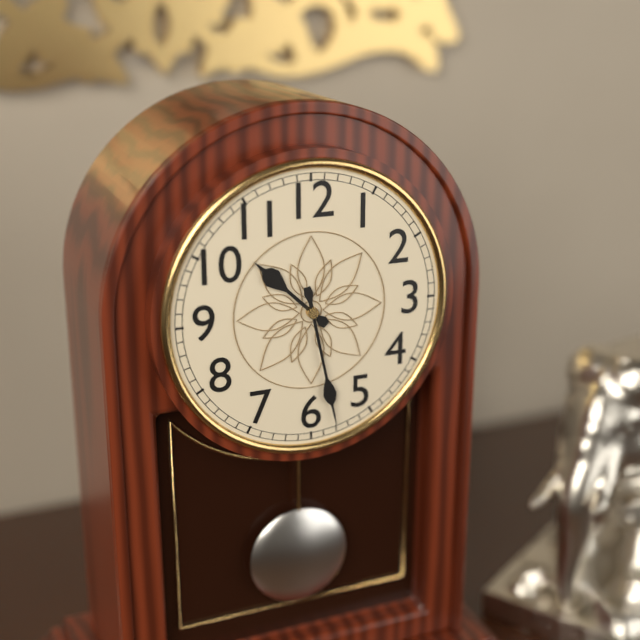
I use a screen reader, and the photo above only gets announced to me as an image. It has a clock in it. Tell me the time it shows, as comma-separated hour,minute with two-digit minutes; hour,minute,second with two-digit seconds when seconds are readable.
10,28
